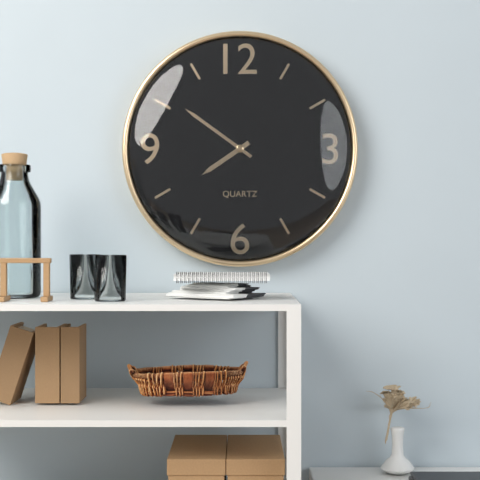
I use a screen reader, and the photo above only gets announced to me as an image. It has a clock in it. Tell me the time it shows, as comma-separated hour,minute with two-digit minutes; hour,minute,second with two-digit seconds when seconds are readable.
7,51
